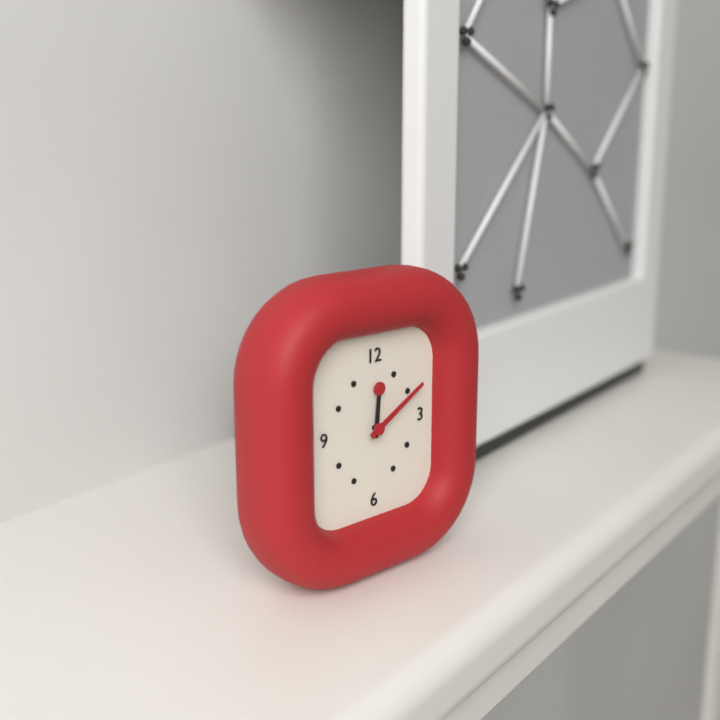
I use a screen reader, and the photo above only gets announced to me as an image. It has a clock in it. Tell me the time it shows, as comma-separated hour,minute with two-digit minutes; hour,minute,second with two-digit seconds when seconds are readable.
12,10
